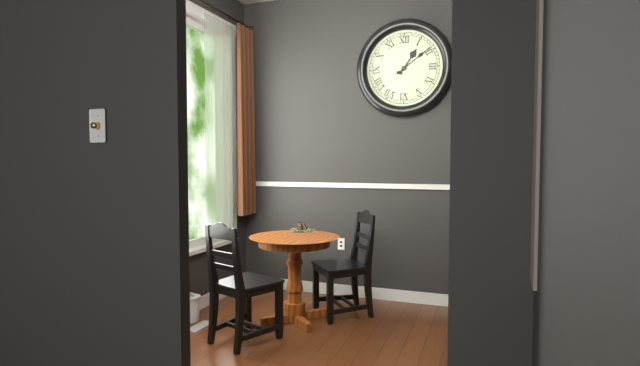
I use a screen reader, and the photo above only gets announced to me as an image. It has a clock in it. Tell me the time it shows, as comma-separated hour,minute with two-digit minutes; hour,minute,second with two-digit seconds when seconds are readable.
1,09
